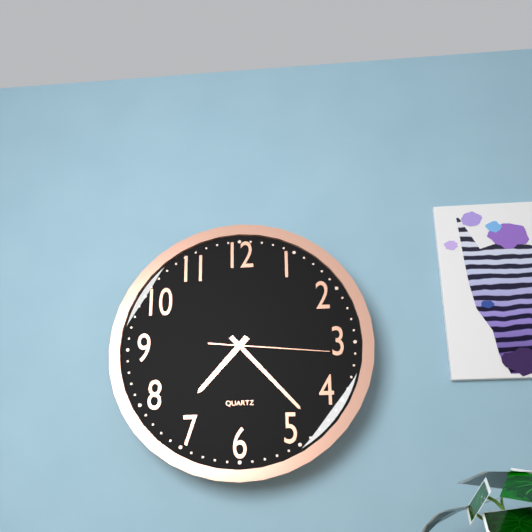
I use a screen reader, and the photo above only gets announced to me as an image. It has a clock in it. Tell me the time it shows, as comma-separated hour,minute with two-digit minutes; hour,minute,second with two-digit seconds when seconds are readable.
7,23,16
